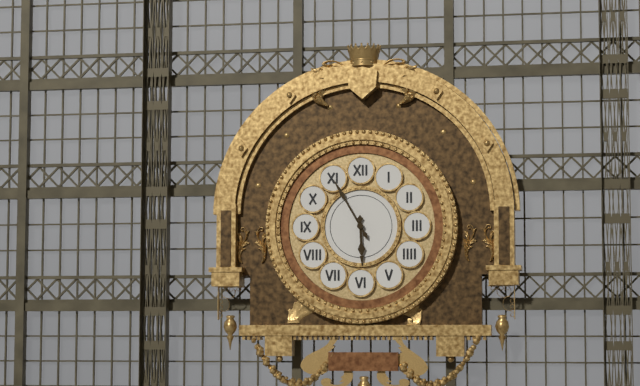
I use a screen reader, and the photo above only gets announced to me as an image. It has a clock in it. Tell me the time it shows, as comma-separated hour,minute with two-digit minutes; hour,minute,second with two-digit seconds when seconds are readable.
5,55
